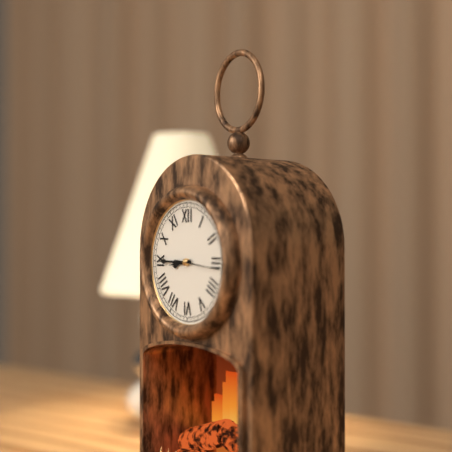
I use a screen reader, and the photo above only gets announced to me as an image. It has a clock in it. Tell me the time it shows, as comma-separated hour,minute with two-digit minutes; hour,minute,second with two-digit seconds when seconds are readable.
8,45
